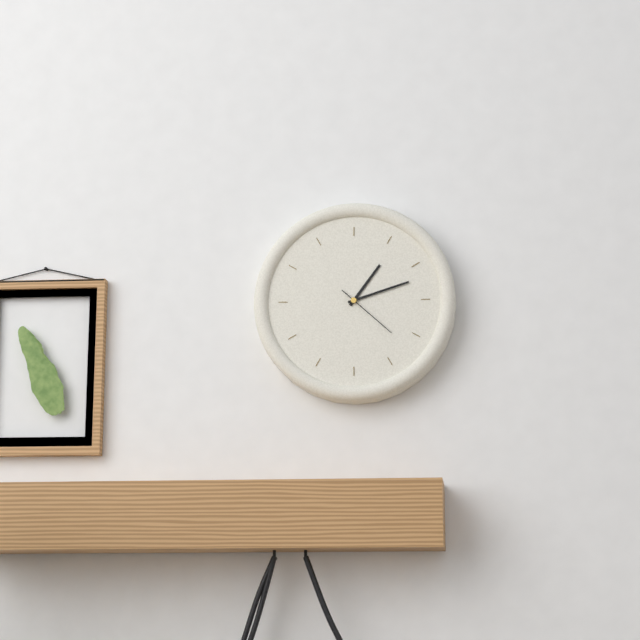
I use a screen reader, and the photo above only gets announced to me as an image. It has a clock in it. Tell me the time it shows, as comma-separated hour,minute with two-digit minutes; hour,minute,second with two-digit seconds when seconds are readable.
1,12,22
